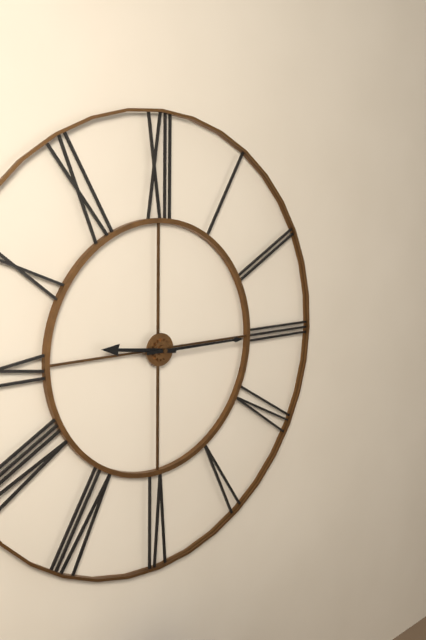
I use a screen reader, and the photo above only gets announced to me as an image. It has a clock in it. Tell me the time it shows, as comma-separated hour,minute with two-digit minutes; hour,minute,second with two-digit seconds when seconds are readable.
9,15
